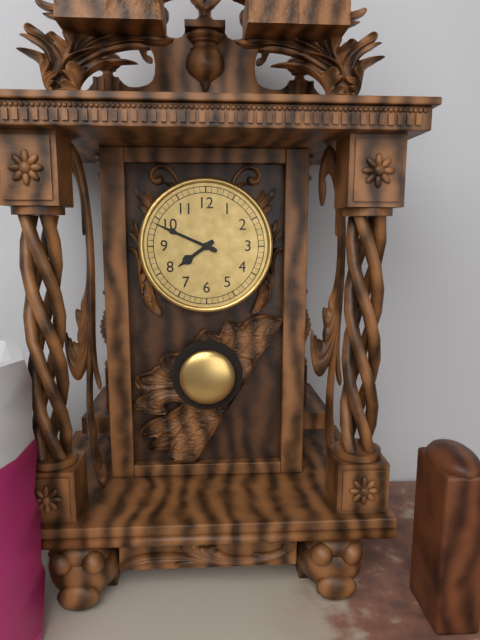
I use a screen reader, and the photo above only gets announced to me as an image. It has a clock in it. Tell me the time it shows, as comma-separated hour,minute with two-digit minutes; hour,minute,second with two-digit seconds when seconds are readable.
7,49
